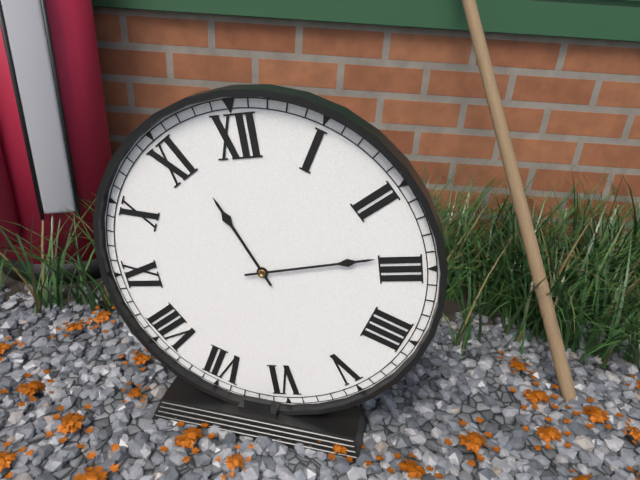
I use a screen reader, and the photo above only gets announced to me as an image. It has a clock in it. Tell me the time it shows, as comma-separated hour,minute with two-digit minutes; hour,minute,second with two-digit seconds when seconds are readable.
11,14
